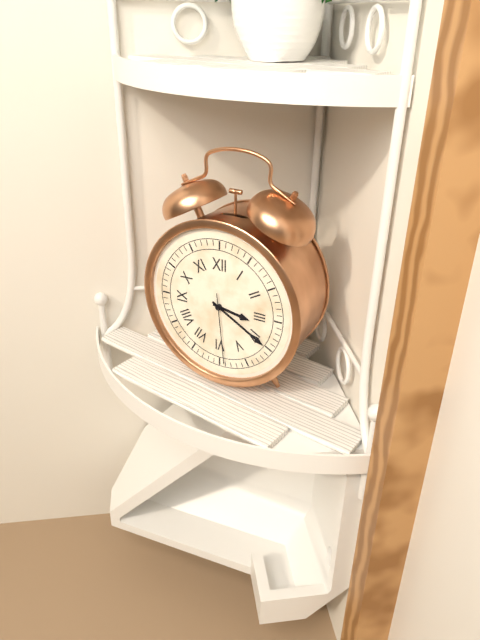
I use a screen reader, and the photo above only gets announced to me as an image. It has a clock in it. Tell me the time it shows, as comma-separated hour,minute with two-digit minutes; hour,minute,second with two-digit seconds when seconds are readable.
3,20,29
